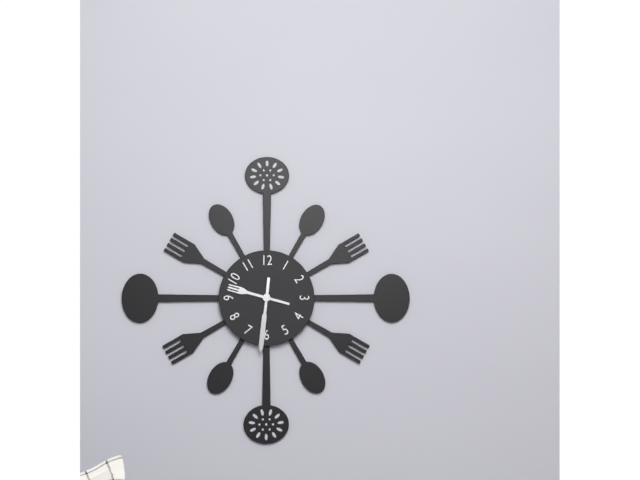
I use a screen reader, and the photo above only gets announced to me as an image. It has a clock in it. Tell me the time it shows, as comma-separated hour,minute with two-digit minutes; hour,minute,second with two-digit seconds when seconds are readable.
9,31
